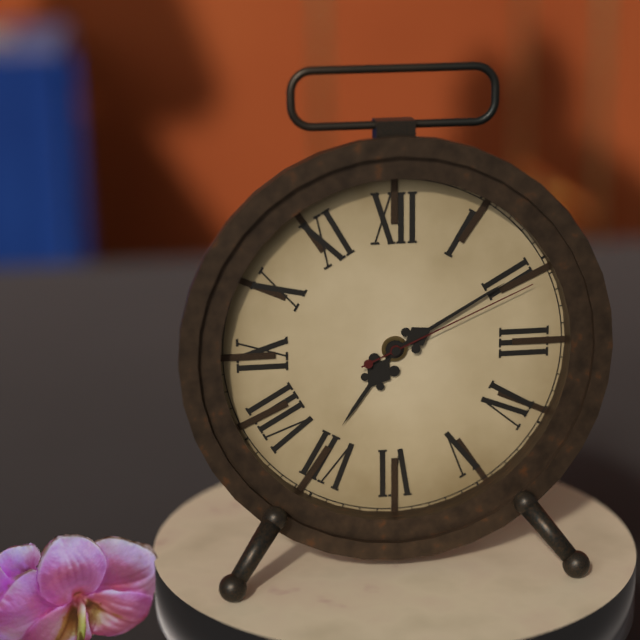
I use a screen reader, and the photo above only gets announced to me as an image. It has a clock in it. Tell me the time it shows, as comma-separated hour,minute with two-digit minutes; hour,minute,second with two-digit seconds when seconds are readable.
7,10,11
